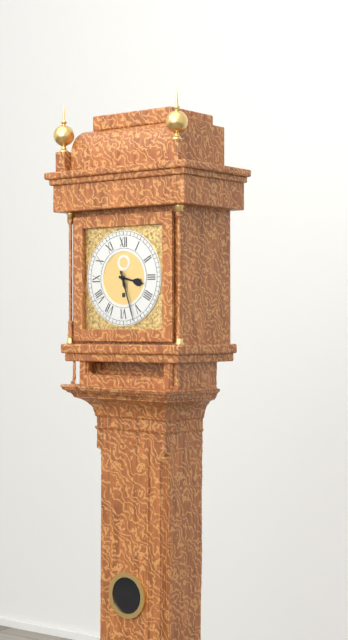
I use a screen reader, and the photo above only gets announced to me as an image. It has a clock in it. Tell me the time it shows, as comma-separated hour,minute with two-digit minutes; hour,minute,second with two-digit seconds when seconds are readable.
3,27
